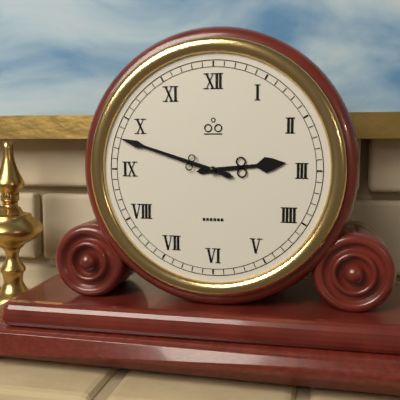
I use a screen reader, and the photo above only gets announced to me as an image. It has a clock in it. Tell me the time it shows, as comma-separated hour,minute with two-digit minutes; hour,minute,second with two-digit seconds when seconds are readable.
2,48
